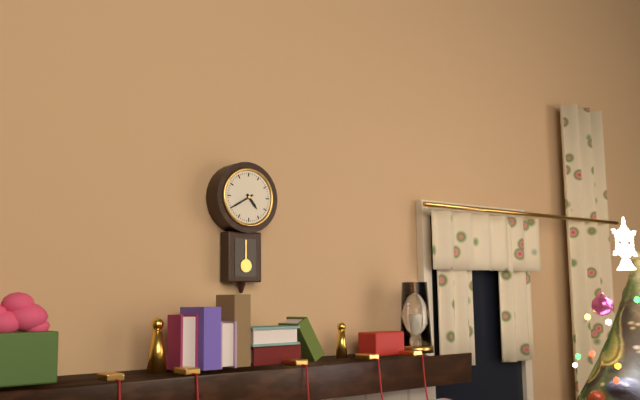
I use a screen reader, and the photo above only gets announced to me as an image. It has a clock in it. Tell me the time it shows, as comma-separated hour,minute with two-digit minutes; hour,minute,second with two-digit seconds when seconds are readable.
4,40
